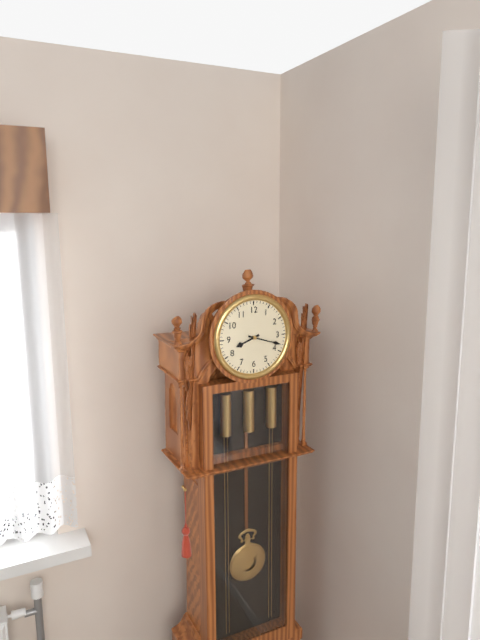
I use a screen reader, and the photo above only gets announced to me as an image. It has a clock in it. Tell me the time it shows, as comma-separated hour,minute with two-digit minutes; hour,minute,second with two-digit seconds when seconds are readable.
8,18
